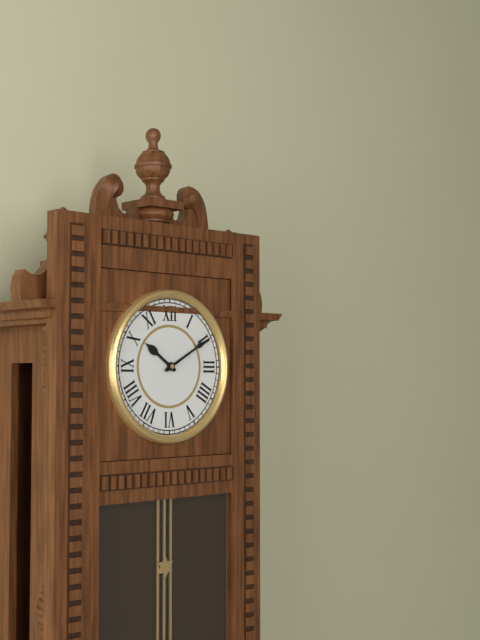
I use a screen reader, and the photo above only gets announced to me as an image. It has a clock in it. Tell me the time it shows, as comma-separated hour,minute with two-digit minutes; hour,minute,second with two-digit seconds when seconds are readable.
10,10
